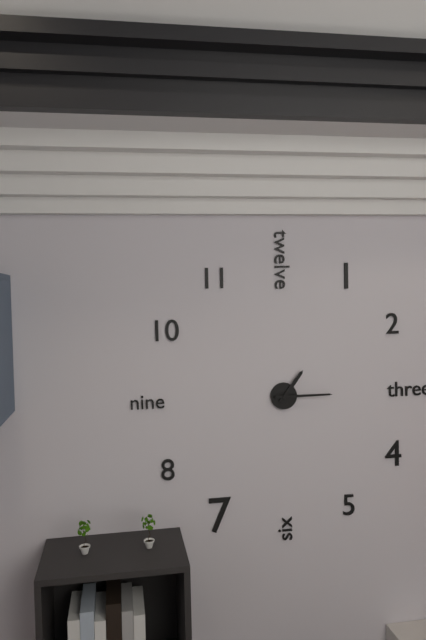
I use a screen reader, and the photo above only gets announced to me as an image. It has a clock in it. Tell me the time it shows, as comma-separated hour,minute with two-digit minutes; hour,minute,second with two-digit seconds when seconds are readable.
1,15
